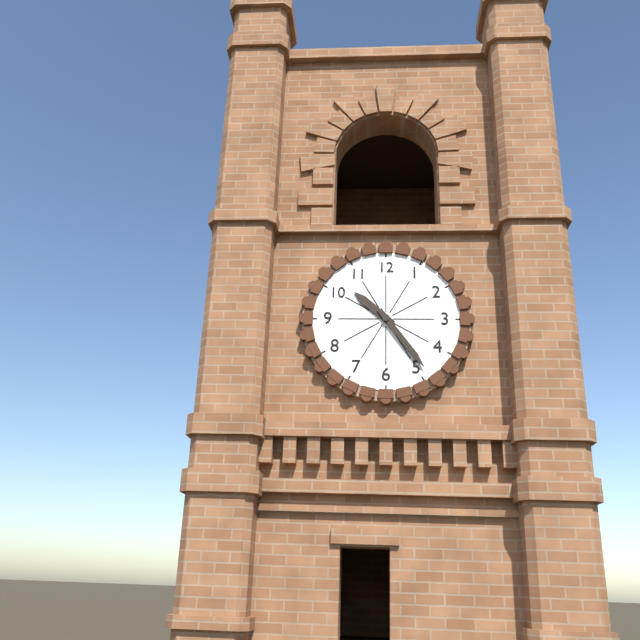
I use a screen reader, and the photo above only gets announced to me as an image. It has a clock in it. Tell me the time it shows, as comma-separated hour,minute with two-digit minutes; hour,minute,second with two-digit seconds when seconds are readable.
10,24
